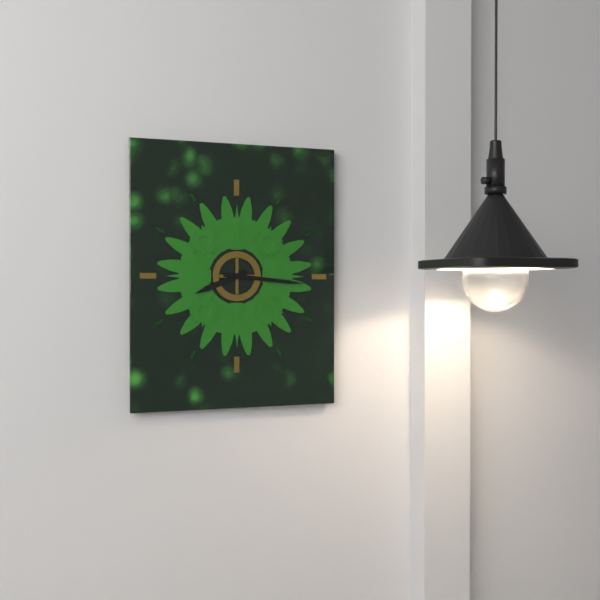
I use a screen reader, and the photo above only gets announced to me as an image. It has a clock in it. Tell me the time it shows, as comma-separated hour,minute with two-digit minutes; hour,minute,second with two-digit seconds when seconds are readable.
8,16
